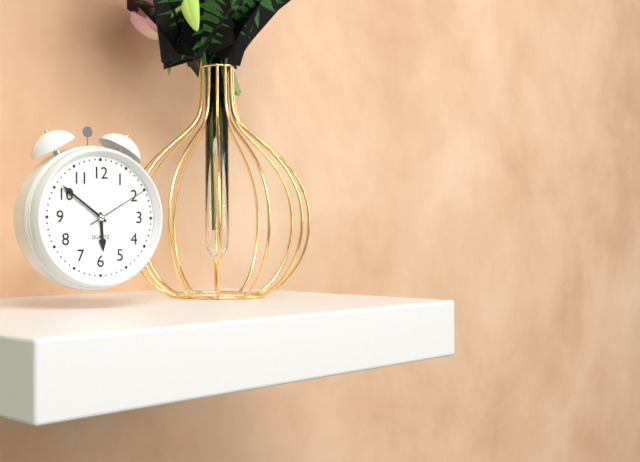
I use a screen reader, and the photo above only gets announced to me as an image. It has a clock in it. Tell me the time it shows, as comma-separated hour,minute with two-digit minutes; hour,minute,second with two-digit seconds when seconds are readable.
5,51,10
